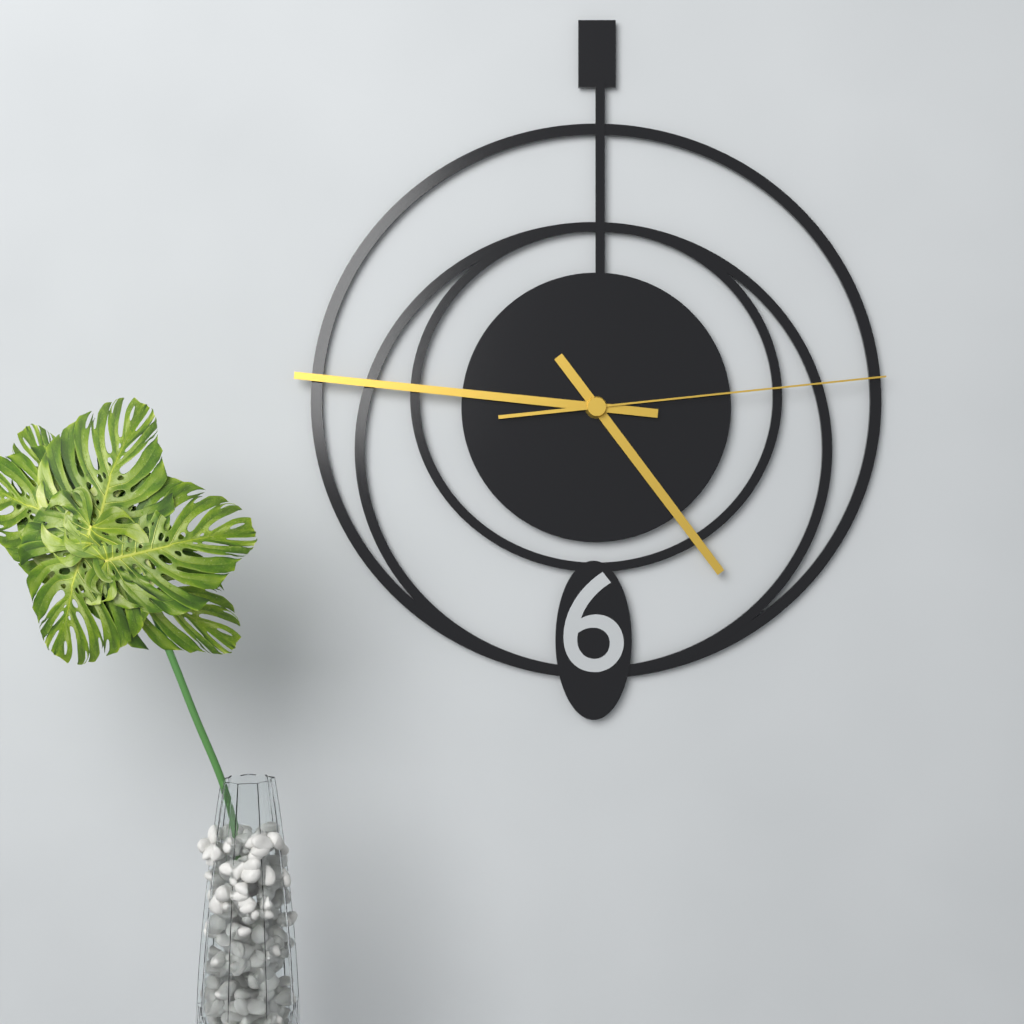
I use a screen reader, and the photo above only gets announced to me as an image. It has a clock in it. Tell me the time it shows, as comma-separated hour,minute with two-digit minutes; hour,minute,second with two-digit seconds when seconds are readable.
4,46,14
